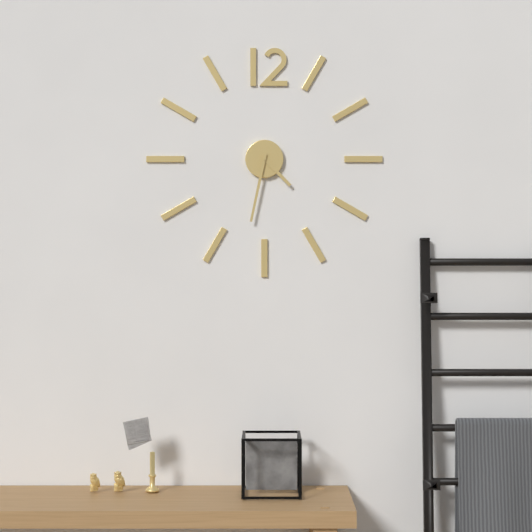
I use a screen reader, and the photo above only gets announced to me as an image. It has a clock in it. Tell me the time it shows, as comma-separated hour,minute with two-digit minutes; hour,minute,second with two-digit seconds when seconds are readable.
4,32
